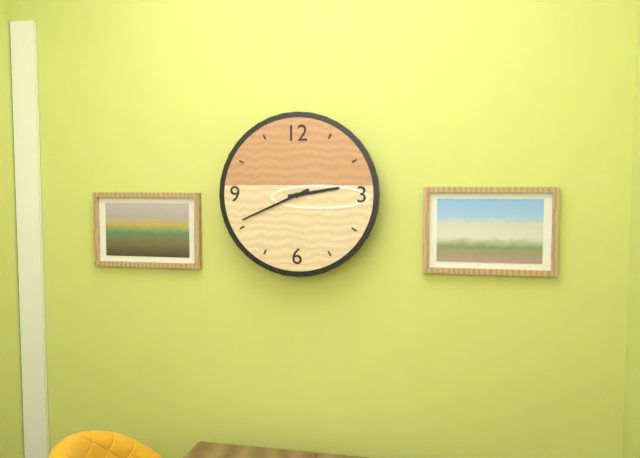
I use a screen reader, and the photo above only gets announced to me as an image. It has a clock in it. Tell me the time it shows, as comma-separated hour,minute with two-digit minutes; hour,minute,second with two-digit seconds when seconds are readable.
2,41
